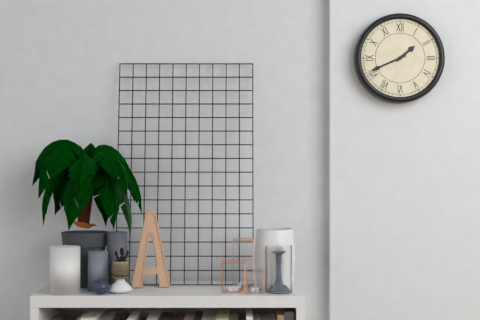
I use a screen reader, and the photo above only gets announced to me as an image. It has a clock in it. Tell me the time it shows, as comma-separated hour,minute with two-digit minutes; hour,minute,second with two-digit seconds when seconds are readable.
1,41
